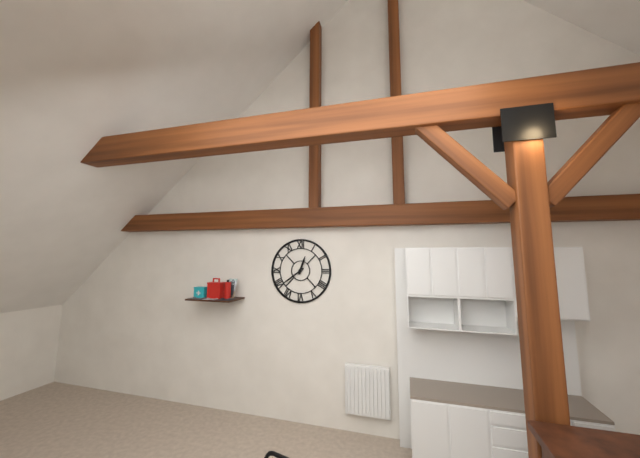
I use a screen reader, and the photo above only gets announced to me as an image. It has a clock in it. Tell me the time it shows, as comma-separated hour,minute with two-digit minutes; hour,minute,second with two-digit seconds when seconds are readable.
12,39
